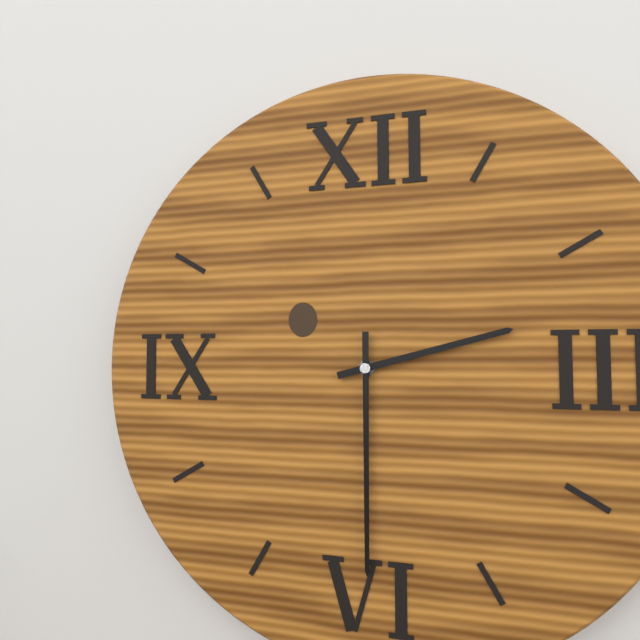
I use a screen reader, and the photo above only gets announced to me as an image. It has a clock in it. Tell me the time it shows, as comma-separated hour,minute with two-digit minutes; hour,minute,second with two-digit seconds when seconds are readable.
2,30
